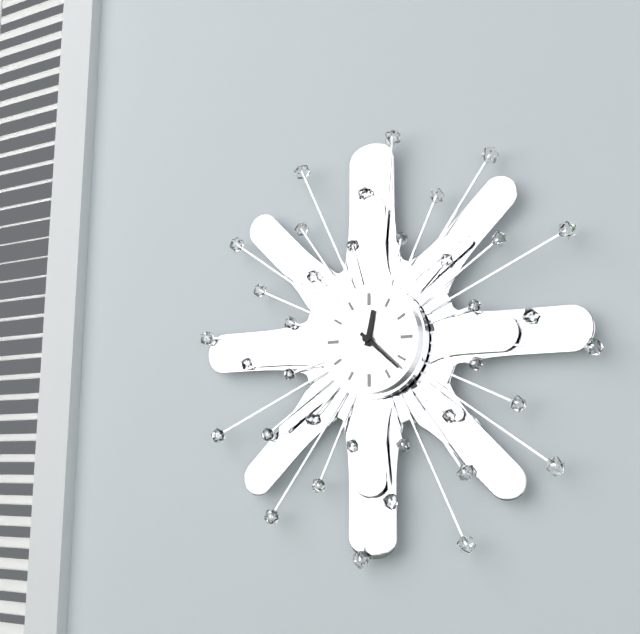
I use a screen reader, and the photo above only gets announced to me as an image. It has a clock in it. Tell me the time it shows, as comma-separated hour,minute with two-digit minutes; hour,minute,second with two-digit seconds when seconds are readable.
12,22
